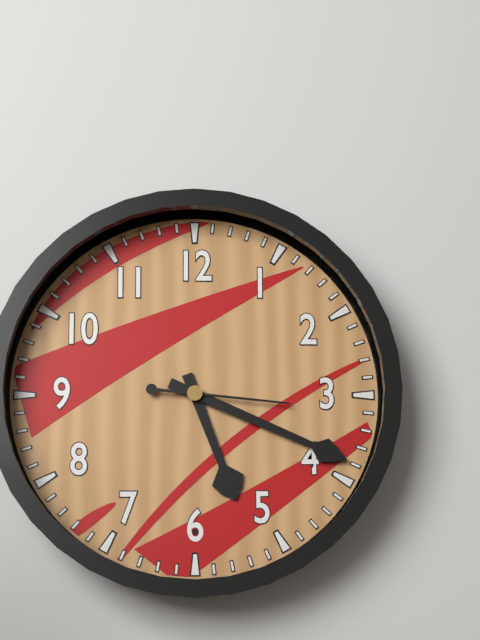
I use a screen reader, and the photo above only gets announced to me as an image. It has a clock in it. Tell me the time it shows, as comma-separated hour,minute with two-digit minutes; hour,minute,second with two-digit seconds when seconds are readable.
5,19,16
